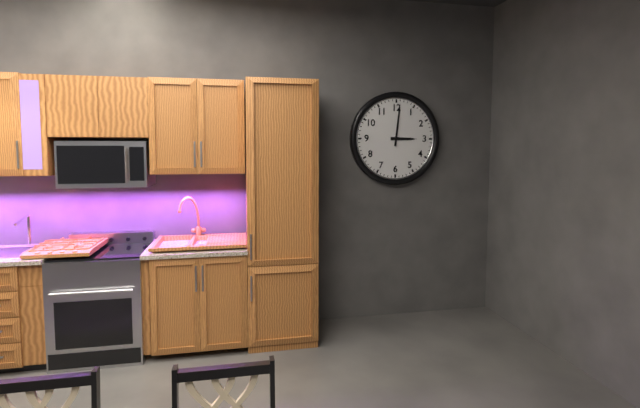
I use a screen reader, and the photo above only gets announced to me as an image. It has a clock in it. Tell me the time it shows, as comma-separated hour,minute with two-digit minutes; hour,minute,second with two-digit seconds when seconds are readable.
3,01
